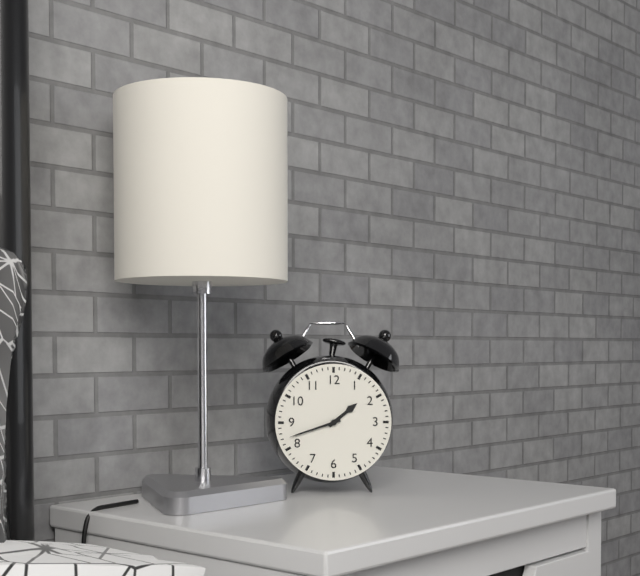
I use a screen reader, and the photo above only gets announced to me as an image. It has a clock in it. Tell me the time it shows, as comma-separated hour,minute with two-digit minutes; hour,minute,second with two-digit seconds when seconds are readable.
1,42
